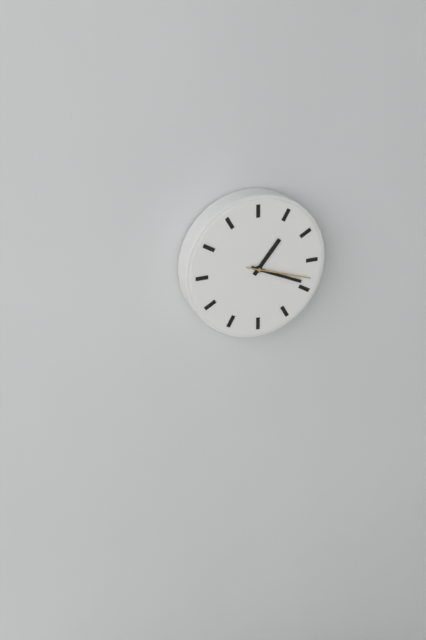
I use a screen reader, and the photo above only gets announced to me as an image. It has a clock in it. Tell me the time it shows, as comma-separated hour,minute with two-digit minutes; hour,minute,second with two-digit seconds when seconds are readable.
1,19,18
